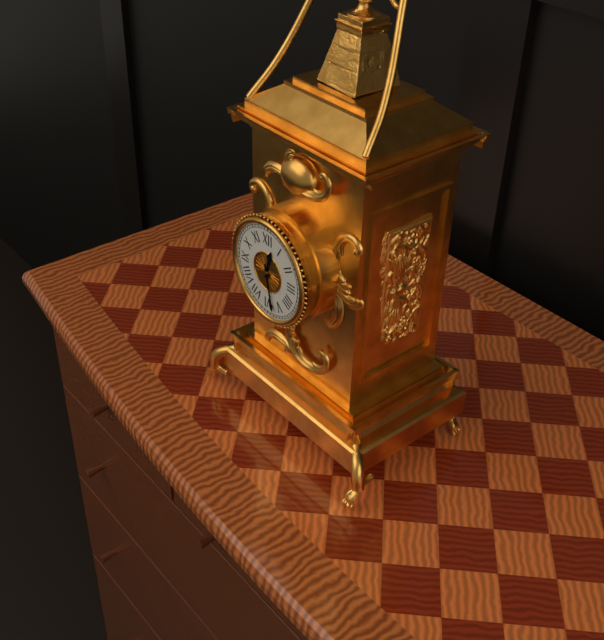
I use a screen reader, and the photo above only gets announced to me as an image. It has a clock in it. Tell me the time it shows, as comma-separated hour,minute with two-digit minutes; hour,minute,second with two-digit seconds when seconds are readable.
12,28
